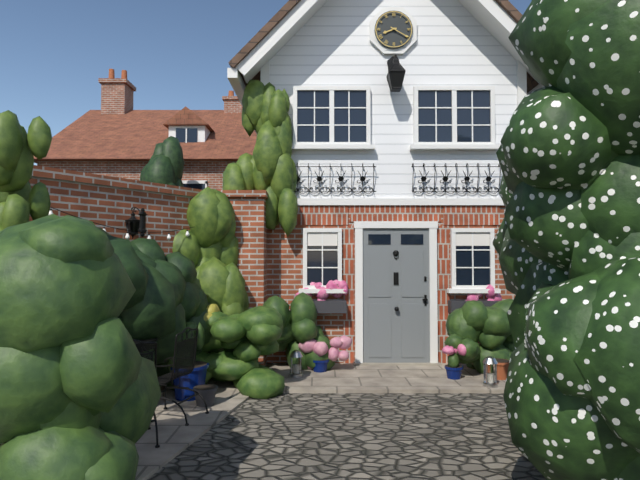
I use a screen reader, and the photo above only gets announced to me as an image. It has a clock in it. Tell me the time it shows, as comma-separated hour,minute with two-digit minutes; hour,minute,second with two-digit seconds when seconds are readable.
8,20
